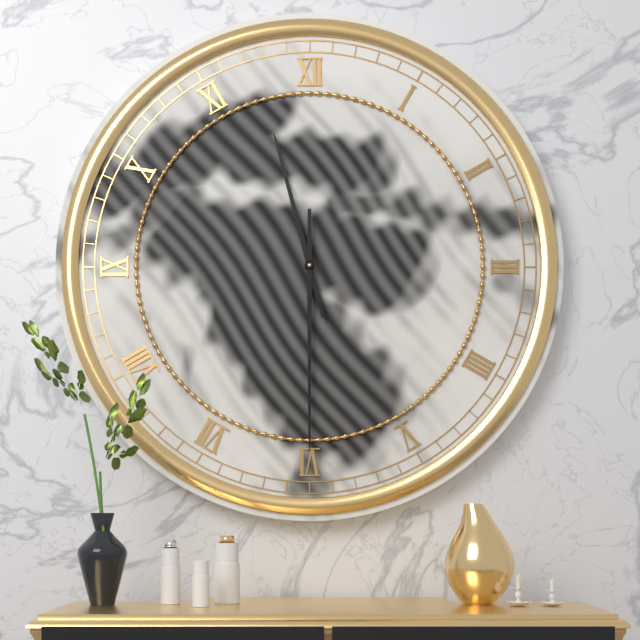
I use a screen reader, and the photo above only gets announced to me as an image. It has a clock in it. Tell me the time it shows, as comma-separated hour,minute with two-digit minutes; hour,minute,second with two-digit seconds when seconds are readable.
11,30
